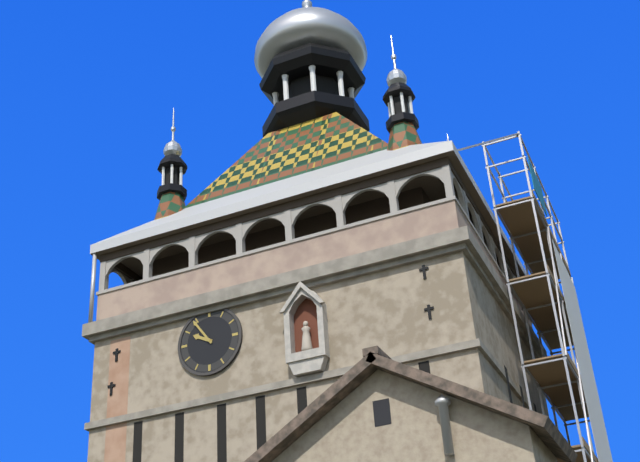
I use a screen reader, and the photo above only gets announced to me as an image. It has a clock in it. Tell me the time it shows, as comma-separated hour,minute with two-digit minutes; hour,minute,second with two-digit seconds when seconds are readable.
9,54
